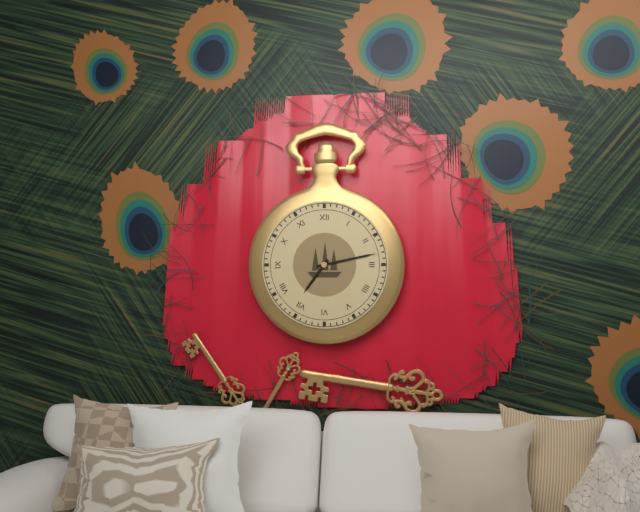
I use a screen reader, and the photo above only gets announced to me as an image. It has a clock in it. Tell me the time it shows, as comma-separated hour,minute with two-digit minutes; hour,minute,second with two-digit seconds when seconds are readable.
7,13
